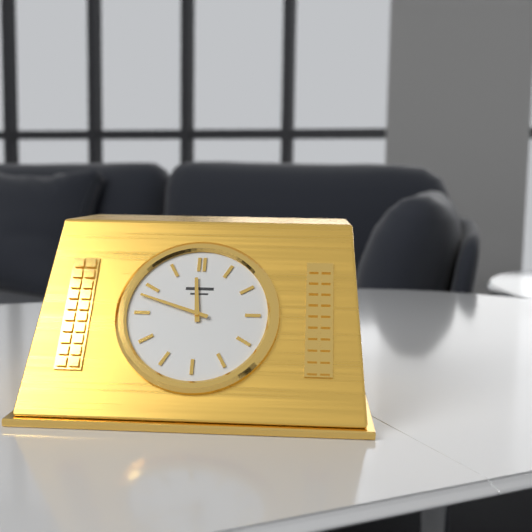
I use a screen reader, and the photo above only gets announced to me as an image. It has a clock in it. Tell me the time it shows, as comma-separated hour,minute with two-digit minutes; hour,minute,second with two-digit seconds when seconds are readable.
11,48
